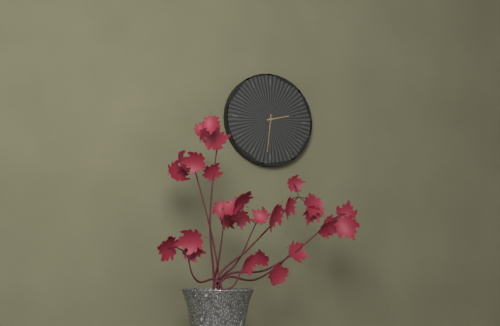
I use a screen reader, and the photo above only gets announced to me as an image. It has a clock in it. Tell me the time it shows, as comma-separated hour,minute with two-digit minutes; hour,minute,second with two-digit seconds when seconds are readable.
2,31
